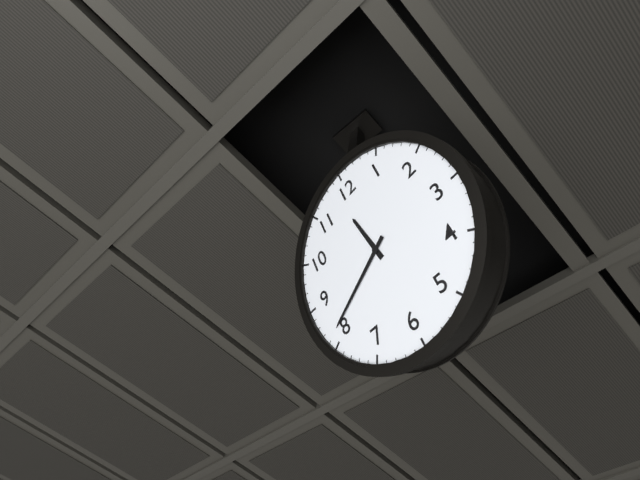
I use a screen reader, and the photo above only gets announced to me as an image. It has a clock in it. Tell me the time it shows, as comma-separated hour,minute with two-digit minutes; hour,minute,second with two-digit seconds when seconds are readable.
11,41
